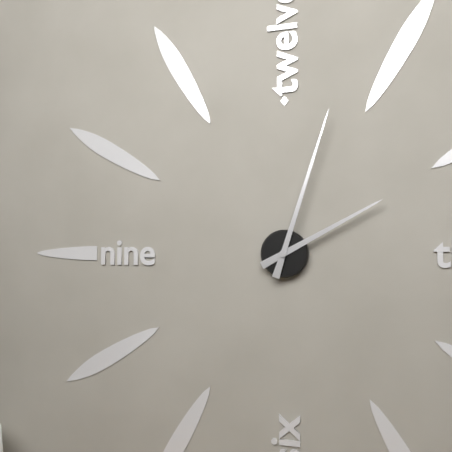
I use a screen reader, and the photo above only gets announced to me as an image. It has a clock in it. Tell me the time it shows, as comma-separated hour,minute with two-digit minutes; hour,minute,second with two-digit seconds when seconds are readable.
2,03
